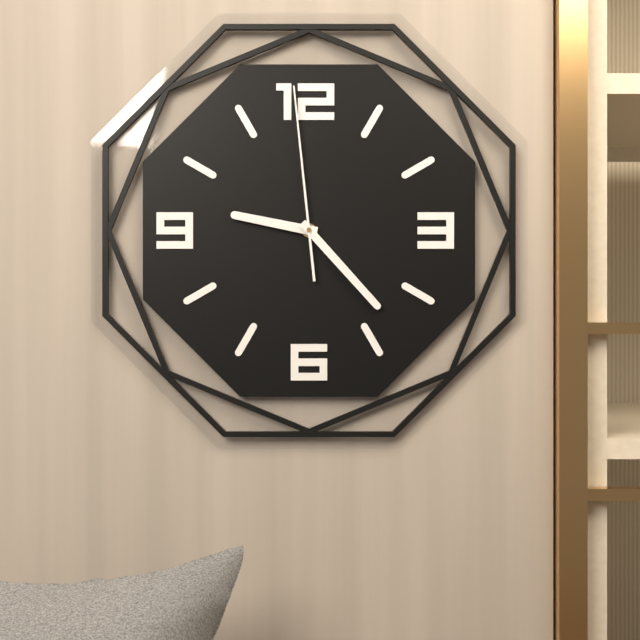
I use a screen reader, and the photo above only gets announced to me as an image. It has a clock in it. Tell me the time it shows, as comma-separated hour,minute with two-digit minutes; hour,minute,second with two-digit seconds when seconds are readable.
9,23,59
